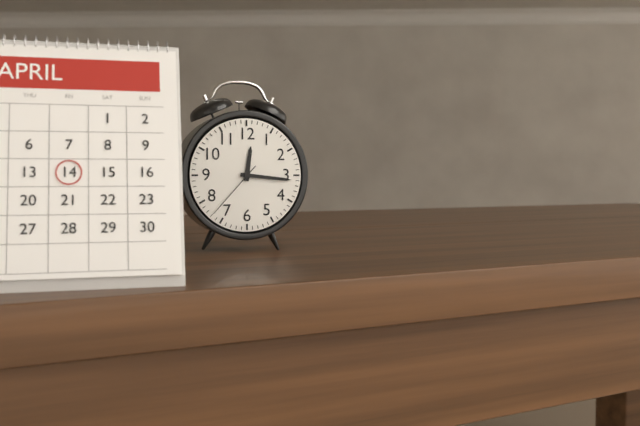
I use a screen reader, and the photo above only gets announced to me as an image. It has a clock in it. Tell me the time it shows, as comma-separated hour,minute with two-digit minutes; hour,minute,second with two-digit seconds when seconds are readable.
12,16,37
